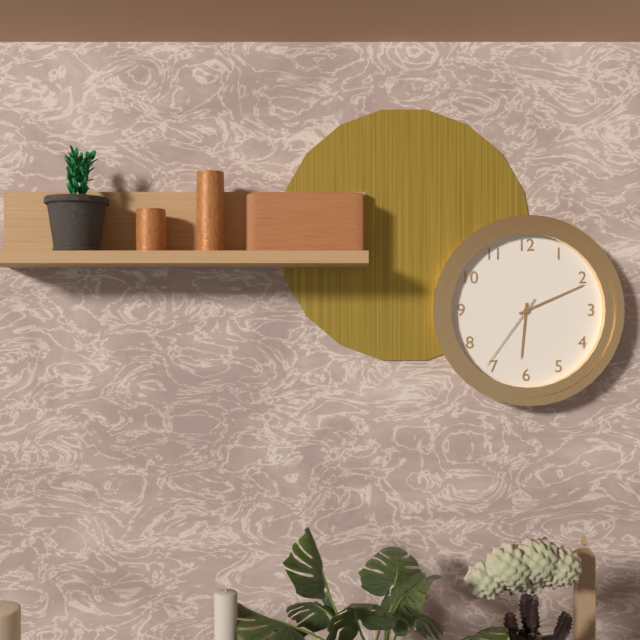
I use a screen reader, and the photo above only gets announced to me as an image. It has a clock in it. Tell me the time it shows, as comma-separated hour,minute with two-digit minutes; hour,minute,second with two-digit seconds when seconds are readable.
6,11,36
